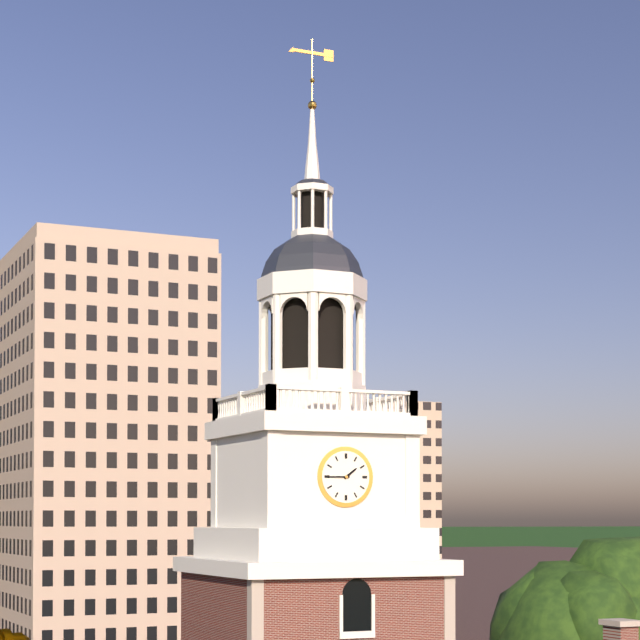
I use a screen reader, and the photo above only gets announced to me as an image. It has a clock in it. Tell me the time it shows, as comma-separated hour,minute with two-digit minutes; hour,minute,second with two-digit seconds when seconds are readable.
1,45
